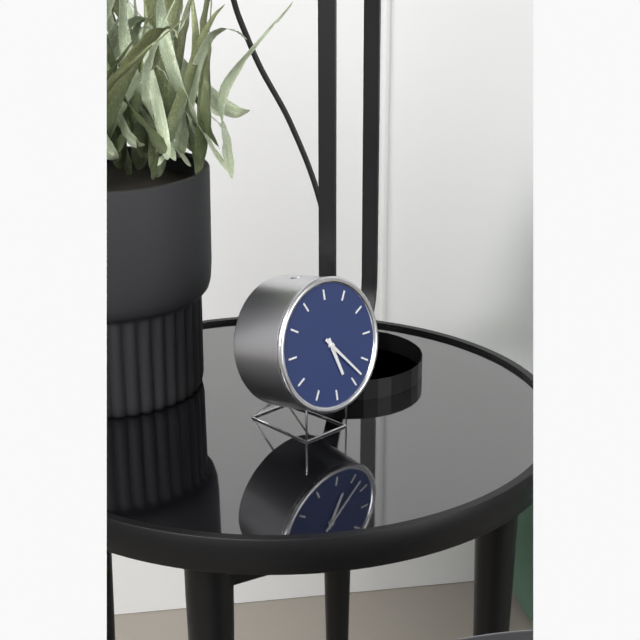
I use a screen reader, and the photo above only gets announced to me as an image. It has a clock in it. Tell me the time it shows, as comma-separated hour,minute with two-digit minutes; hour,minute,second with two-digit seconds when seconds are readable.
5,23
